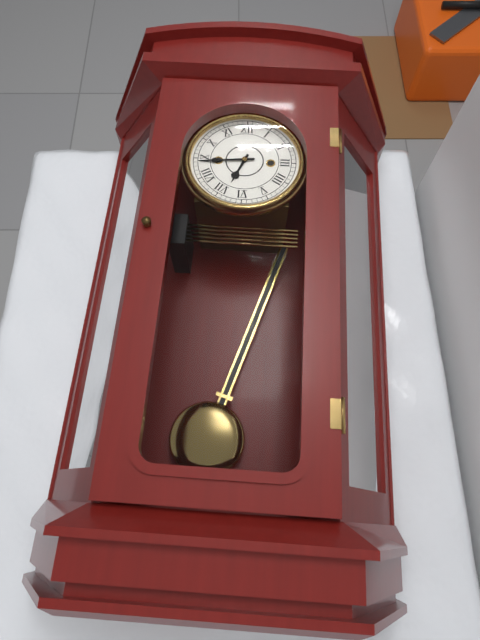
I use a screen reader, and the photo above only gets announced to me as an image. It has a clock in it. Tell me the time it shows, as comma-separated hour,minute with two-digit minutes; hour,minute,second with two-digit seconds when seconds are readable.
6,44
